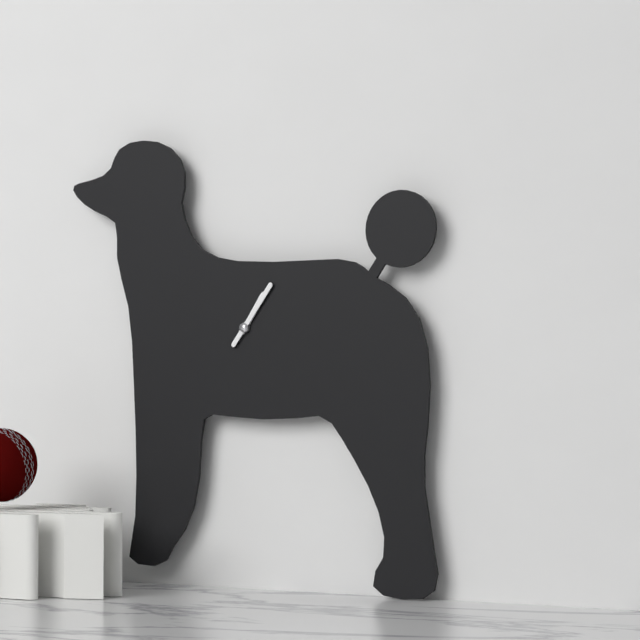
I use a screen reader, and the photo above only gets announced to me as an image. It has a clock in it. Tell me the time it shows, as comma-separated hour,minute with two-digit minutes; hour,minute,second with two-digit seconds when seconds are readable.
1,06
